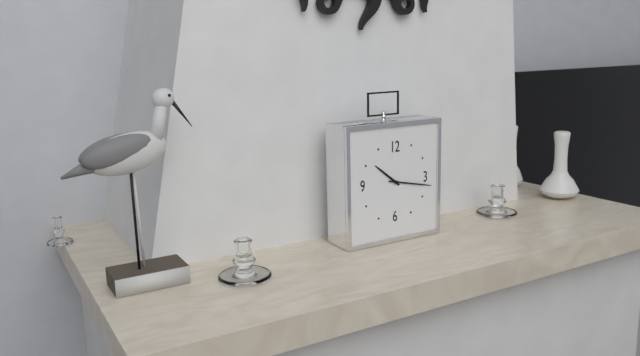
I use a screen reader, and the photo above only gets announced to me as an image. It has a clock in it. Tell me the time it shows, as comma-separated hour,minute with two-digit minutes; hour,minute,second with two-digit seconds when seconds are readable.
10,17
